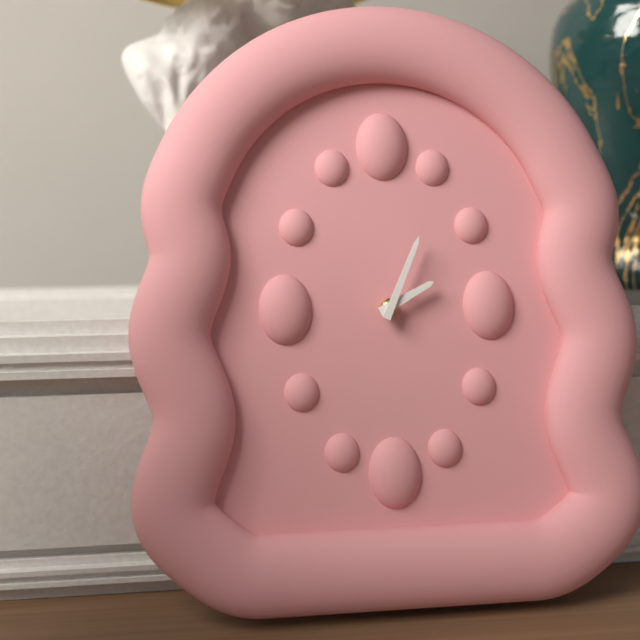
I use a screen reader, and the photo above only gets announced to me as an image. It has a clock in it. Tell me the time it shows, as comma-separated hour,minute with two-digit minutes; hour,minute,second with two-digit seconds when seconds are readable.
2,04
